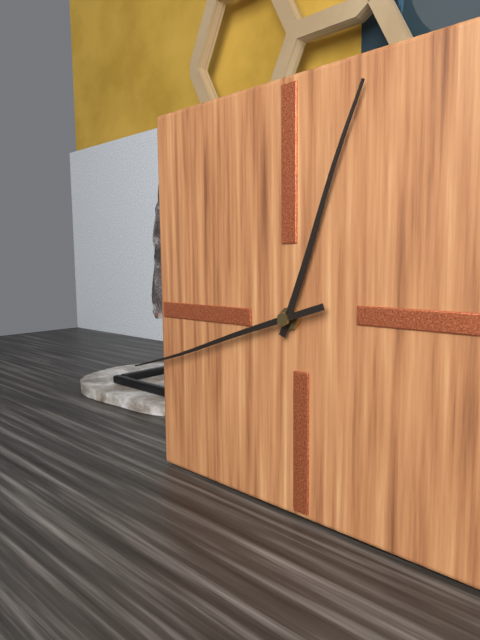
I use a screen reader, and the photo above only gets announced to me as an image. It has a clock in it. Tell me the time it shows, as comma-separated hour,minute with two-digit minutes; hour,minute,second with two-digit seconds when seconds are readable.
12,42
